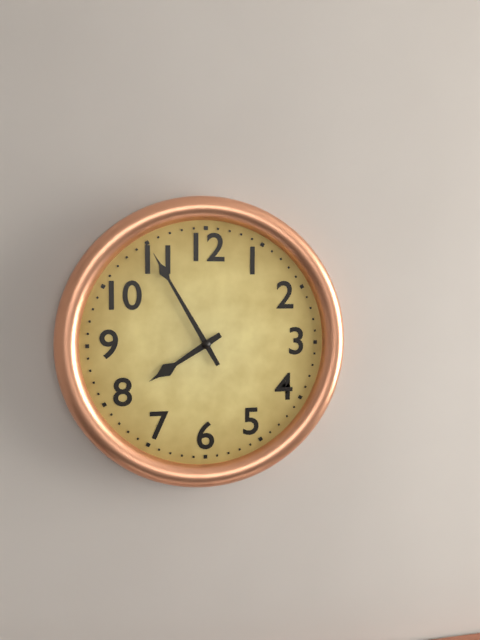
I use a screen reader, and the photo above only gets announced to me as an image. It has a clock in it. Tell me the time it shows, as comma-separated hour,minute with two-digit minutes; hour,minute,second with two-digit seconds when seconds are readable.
7,55
